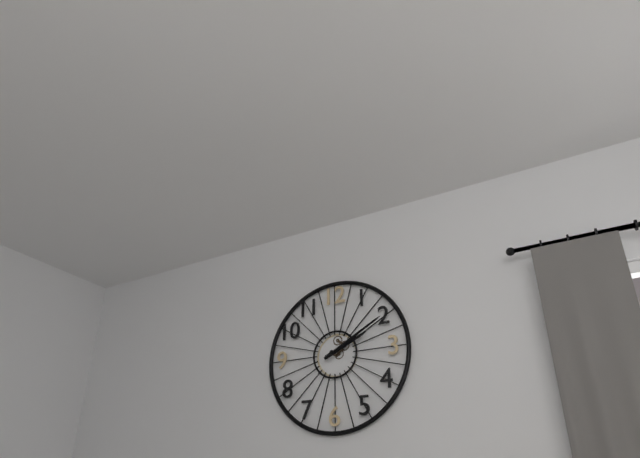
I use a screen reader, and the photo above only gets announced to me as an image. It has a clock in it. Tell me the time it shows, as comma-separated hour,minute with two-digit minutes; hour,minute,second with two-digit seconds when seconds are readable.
2,10
